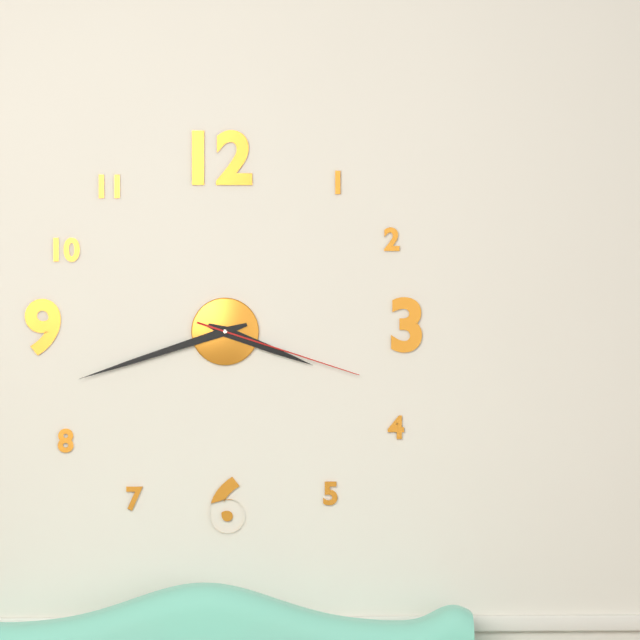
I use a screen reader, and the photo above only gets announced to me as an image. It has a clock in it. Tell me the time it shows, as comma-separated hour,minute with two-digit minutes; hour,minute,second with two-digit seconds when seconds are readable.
3,42,18
